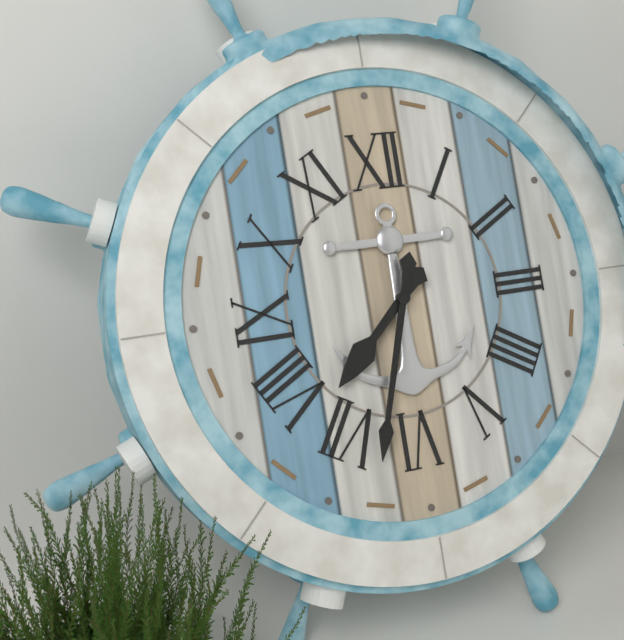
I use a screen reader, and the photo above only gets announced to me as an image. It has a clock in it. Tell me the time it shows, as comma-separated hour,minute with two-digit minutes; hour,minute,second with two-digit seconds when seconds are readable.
7,33
